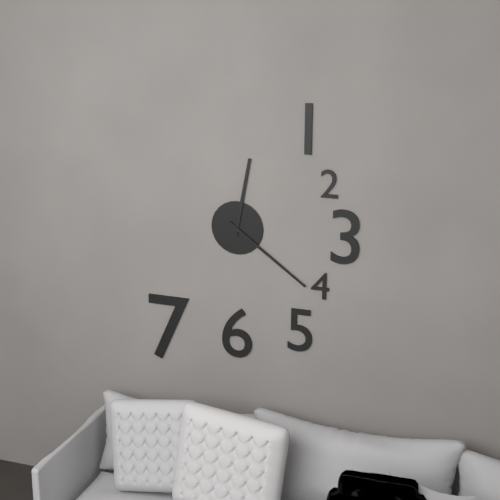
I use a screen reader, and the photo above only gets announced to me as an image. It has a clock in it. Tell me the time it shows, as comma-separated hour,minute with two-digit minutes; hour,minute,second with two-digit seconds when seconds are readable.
12,21
